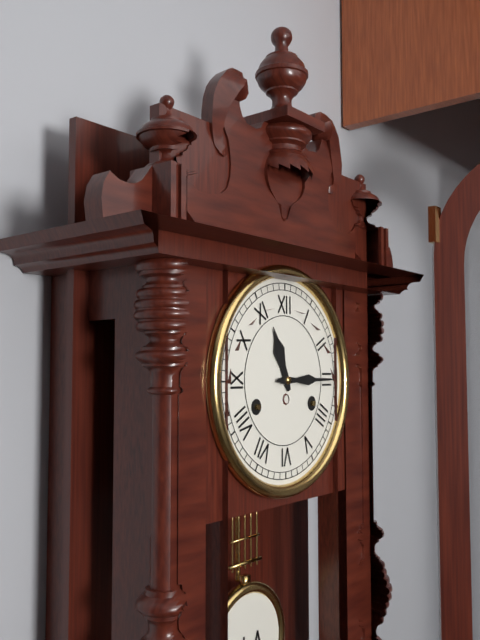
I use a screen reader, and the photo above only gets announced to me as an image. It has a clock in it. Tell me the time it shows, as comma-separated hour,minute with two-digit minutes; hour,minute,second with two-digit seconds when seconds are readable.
11,15
